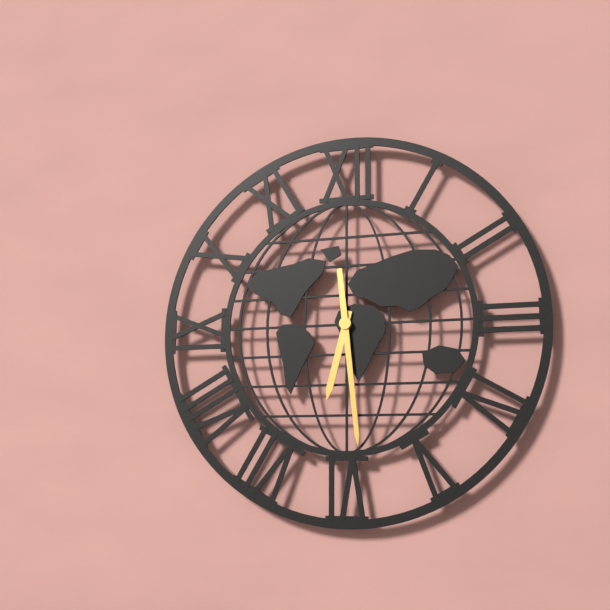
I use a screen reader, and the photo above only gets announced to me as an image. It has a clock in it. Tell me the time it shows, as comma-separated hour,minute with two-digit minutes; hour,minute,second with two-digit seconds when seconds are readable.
6,29
